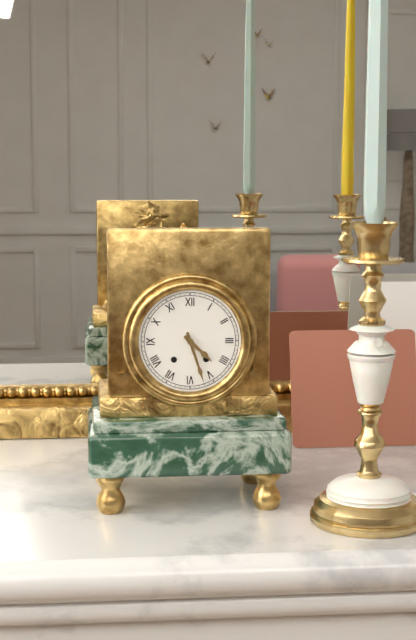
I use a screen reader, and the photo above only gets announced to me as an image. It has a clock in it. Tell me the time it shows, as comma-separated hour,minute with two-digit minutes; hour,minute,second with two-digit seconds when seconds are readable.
4,27
